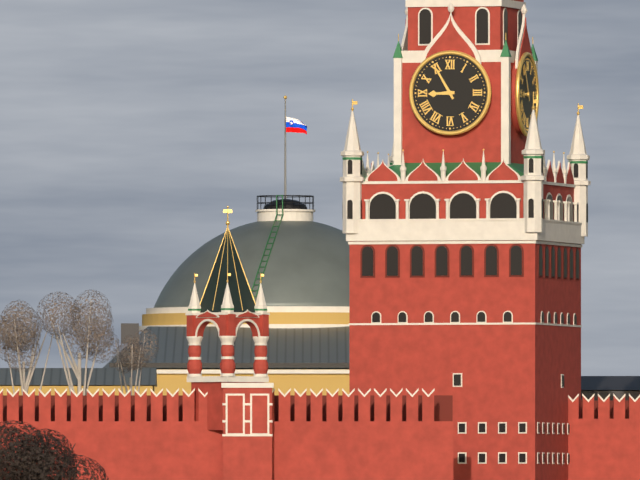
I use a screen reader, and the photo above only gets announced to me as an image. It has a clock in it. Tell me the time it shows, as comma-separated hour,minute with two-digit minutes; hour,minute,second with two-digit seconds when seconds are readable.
8,55
